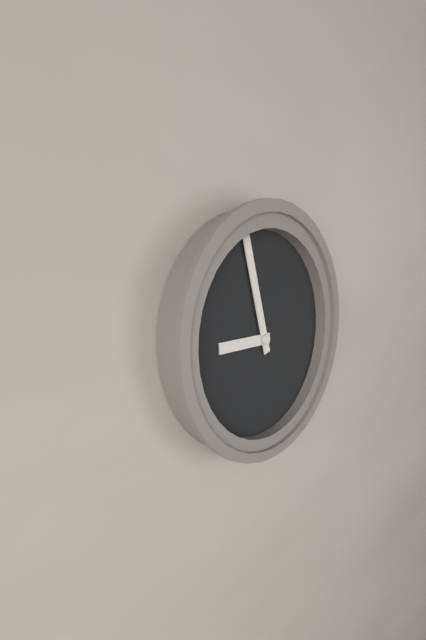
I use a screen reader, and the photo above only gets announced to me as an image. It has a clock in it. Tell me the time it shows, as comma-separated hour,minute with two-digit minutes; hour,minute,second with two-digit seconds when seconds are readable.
8,57
